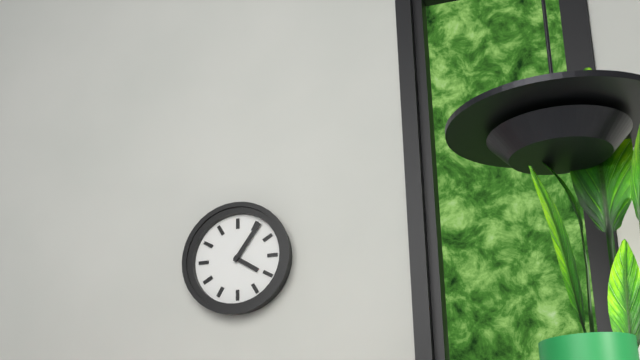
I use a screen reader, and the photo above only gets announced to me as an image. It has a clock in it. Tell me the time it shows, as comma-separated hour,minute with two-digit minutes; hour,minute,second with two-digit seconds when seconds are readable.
4,06
